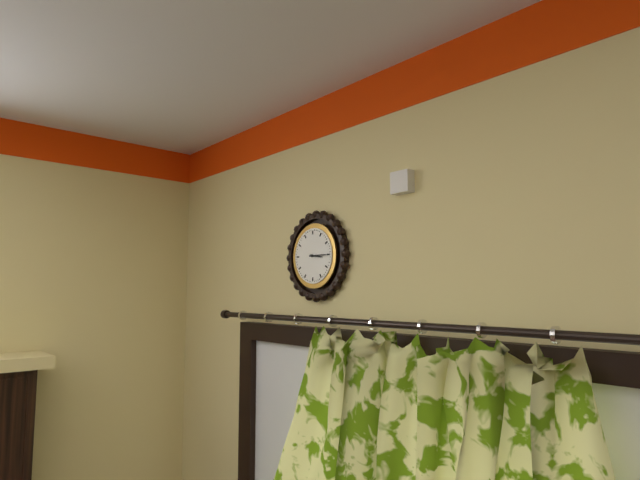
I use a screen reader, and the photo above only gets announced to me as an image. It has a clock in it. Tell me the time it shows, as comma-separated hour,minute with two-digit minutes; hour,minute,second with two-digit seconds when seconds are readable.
3,15
